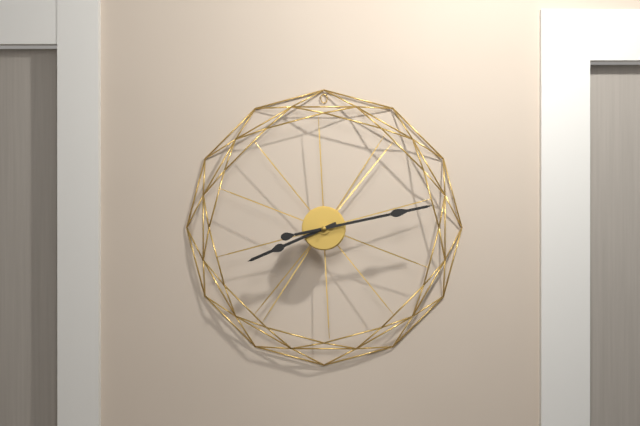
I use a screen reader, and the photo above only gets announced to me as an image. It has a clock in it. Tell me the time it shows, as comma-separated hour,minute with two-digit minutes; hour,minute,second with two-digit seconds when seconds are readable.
8,13
